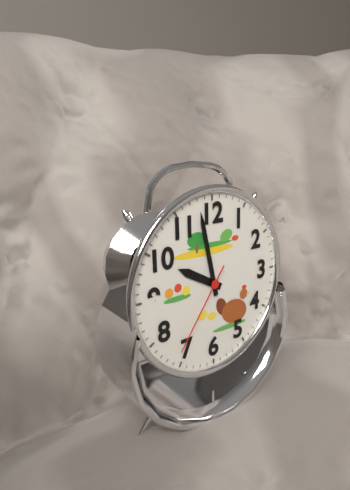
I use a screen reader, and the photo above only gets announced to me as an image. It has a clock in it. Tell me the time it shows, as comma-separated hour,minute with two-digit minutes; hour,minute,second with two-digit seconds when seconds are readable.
9,58,36
